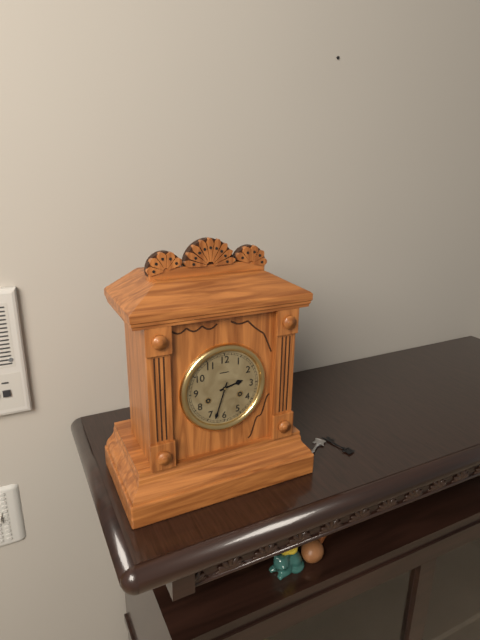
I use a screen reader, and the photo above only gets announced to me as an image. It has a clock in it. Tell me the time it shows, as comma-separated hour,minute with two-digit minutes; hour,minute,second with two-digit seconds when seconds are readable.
2,33
